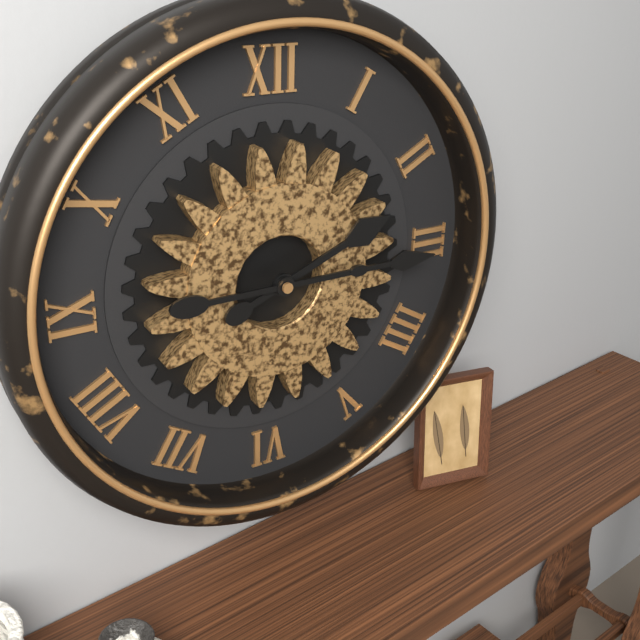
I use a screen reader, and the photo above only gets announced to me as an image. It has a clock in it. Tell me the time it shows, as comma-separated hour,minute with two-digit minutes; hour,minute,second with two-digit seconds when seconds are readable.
2,15
